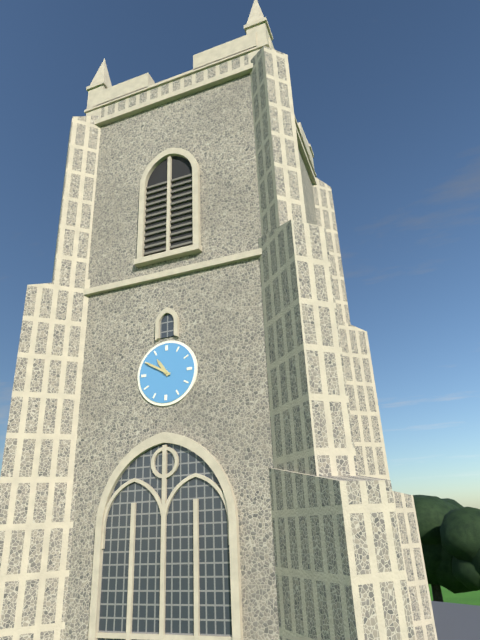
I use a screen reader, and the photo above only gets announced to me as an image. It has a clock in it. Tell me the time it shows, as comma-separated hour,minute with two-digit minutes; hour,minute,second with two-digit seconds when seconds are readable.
10,50
